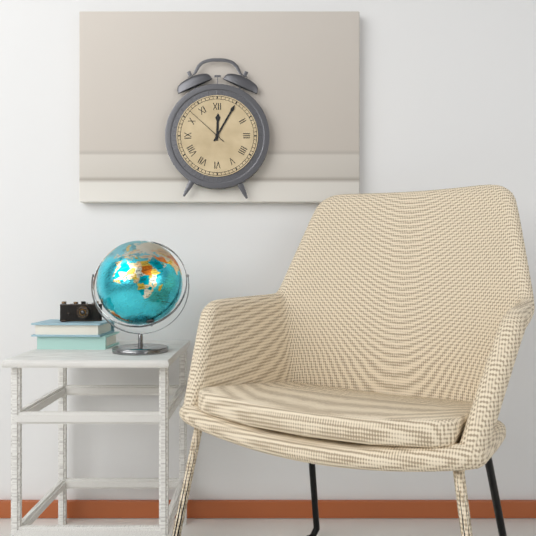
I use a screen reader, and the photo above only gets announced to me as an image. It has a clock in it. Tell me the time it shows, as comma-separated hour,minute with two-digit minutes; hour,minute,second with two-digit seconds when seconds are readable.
12,05
